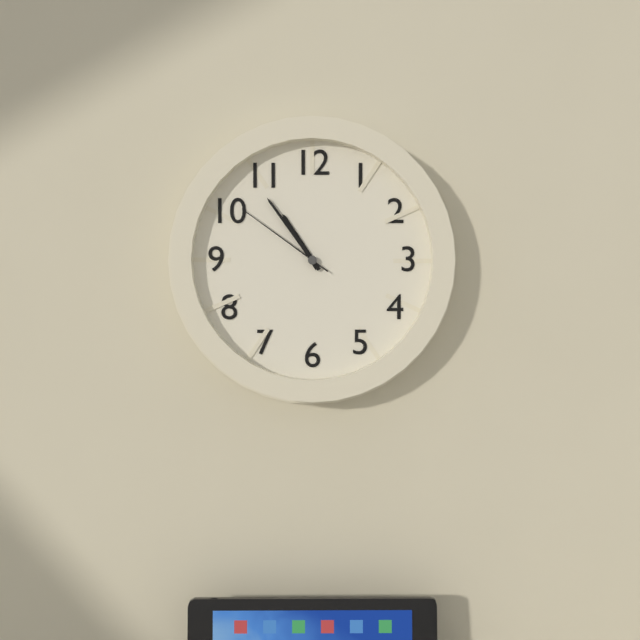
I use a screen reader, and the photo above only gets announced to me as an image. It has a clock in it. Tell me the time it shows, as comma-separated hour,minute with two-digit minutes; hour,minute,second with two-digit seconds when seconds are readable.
10,54,51
